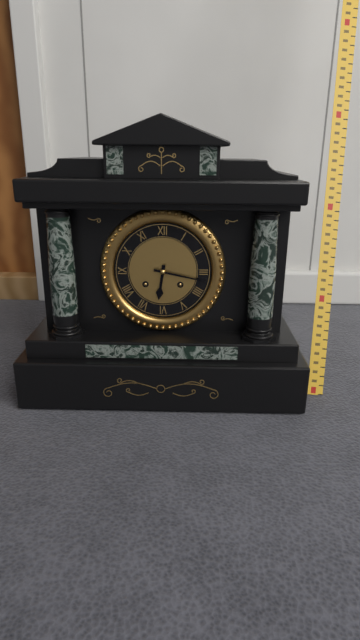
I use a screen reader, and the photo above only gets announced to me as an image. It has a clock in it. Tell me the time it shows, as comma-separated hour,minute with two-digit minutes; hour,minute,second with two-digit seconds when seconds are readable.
6,17
